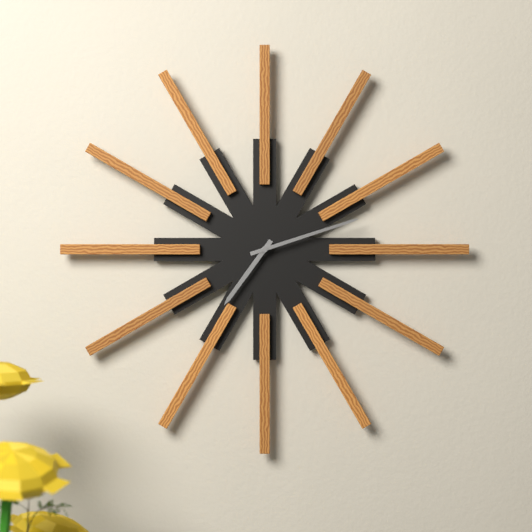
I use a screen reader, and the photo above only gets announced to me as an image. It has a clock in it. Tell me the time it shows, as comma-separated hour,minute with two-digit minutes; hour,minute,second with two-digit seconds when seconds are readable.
7,12
